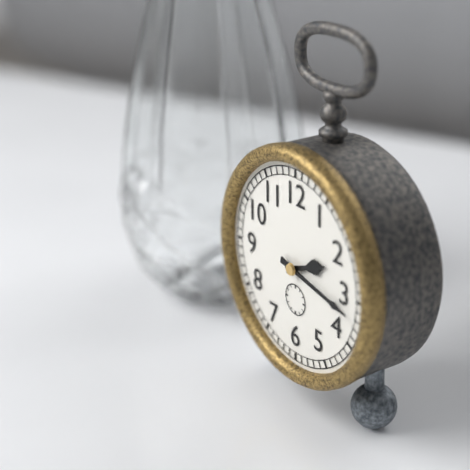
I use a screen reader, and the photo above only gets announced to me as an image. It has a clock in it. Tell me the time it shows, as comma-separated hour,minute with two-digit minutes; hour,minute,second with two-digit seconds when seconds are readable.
2,17
